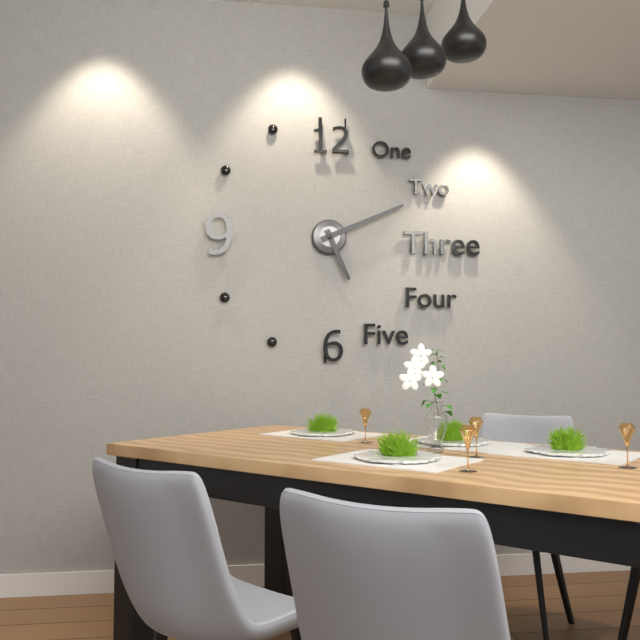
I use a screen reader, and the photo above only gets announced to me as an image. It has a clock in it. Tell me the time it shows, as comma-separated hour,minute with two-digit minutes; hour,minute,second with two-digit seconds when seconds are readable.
5,11
